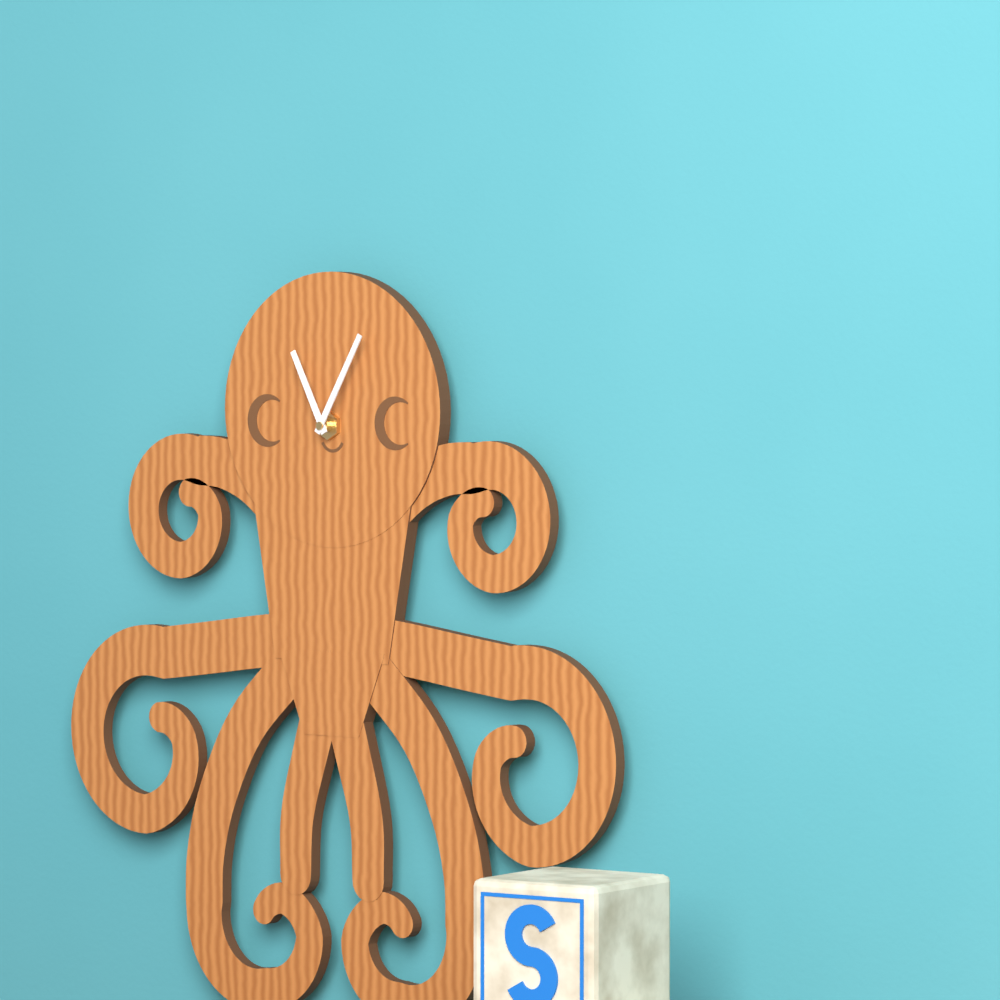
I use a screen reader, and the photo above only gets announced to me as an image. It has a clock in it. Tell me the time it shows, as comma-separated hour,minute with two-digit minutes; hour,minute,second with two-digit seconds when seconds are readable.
11,05
